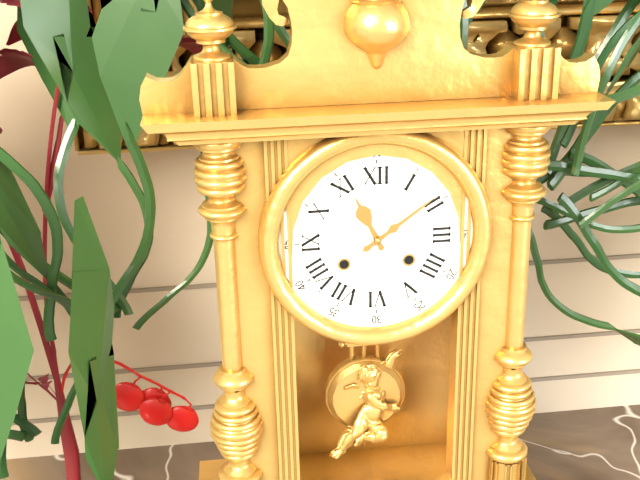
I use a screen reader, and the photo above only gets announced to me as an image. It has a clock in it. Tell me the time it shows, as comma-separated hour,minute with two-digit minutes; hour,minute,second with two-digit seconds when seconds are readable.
11,09
